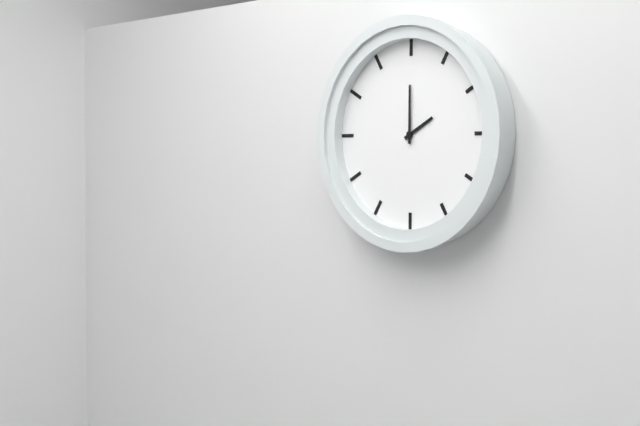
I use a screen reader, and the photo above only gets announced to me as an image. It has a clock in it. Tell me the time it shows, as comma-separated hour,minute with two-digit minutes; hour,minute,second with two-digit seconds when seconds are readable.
2,00
